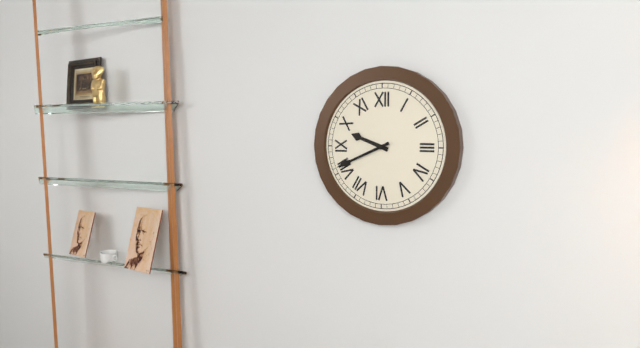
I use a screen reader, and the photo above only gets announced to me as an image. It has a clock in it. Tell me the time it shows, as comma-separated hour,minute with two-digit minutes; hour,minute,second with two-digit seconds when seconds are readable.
9,41
